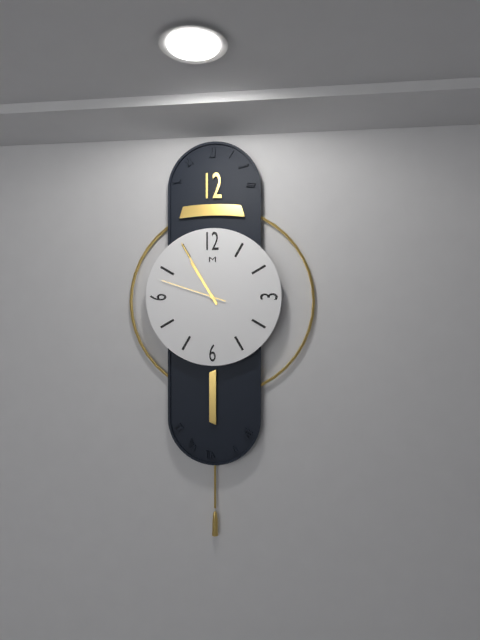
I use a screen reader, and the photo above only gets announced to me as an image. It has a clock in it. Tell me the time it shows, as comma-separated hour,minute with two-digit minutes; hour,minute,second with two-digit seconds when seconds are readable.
10,55,48
